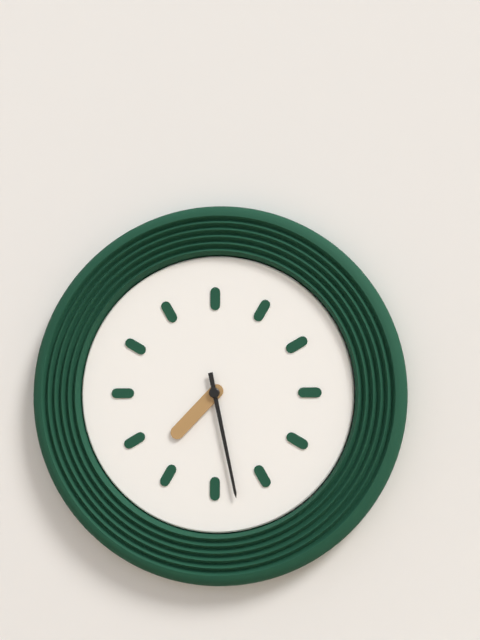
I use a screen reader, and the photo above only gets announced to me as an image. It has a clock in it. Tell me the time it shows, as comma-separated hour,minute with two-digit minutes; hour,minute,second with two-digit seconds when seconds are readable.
7,28
